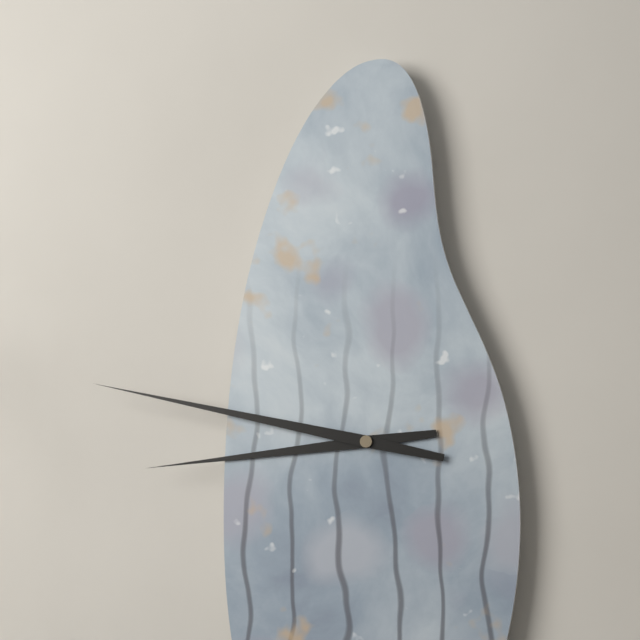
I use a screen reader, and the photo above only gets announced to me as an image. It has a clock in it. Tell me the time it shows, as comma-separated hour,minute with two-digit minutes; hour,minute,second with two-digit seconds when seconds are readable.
8,47
